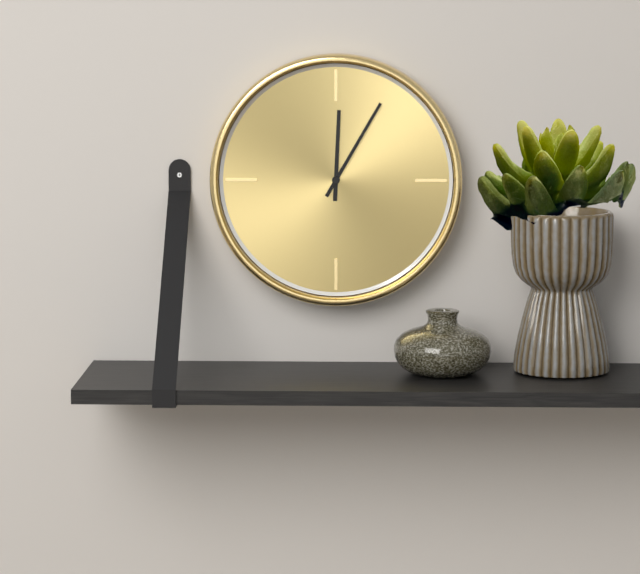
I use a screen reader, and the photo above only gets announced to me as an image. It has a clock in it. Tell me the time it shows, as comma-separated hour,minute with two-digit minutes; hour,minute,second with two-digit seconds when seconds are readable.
12,05
